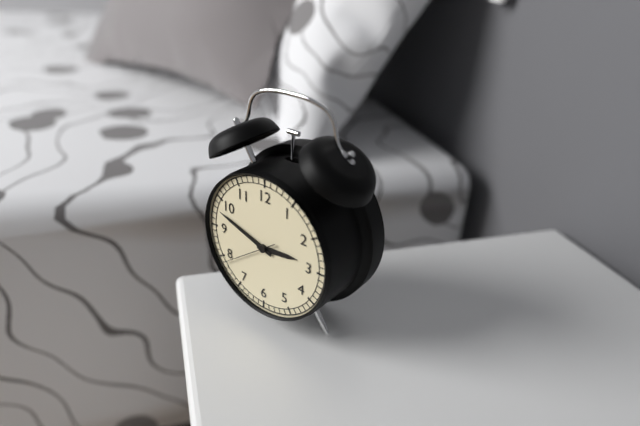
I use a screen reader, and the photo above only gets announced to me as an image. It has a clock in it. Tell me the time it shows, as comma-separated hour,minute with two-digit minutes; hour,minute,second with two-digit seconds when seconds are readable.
2,48,39
